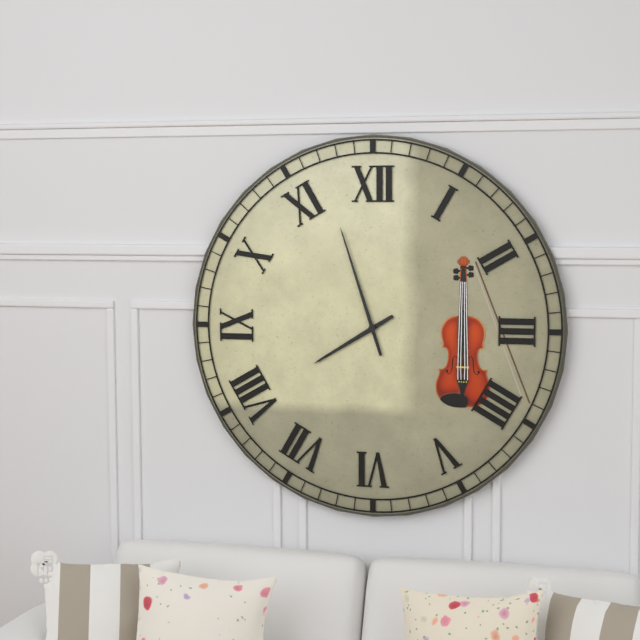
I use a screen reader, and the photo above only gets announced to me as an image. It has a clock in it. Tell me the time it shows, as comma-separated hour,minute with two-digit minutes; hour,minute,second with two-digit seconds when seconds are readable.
7,57
